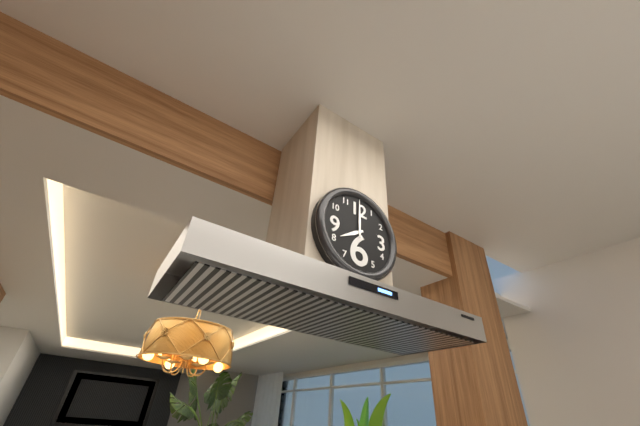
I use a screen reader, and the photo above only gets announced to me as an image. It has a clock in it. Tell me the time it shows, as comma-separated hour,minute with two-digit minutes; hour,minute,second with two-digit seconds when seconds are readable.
8,00
